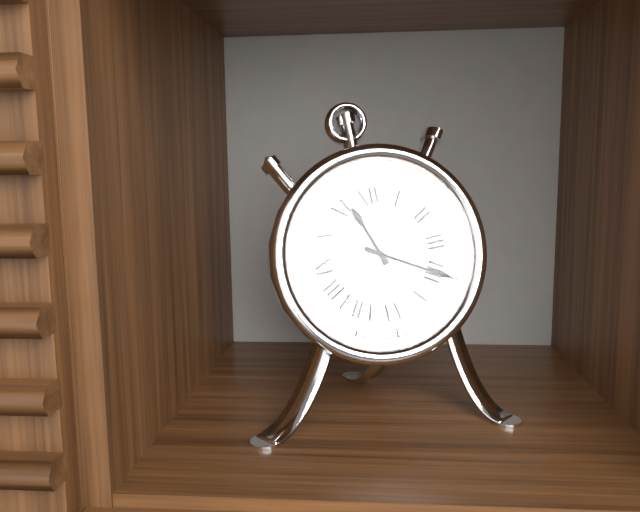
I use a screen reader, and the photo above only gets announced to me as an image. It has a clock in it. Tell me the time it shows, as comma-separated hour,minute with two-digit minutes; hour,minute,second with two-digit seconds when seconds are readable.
11,20
